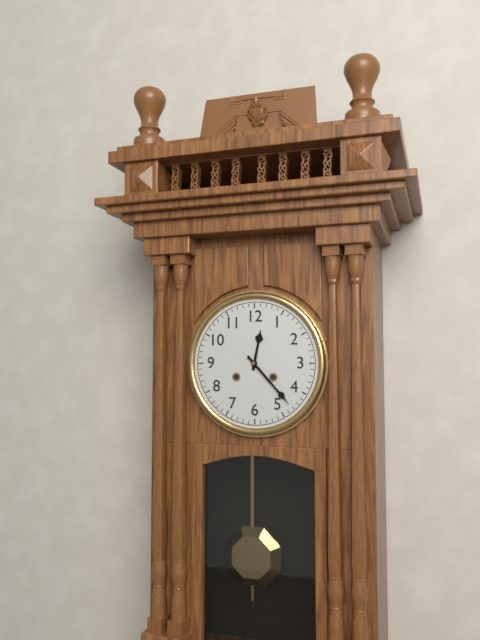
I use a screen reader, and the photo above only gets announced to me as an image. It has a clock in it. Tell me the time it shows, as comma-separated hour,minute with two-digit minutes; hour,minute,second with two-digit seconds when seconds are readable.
12,23
